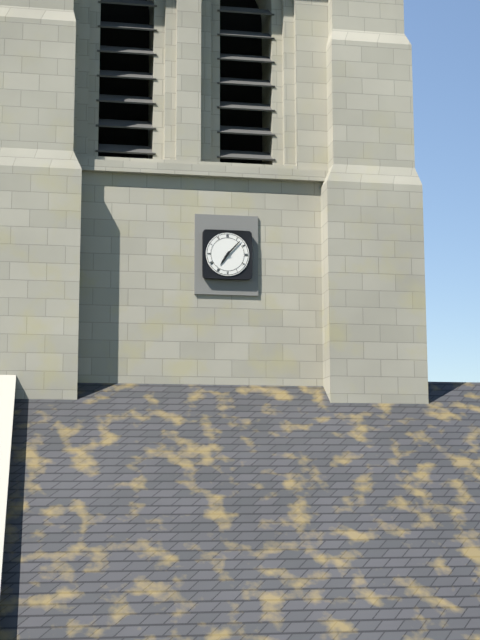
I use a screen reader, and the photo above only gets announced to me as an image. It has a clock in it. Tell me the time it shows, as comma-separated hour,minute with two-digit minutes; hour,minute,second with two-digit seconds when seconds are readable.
7,07
